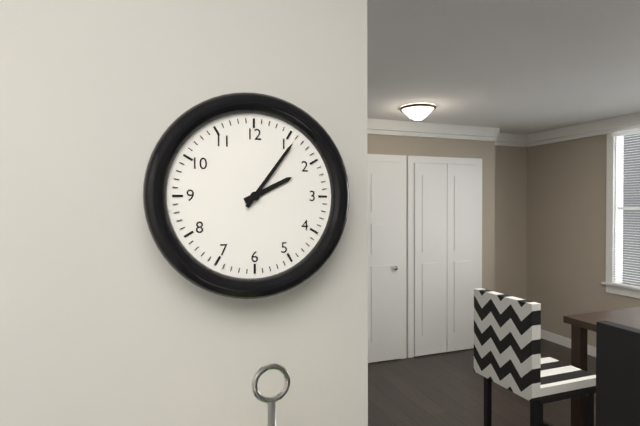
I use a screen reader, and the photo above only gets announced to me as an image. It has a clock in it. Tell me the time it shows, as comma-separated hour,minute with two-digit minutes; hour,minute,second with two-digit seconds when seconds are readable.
2,06
